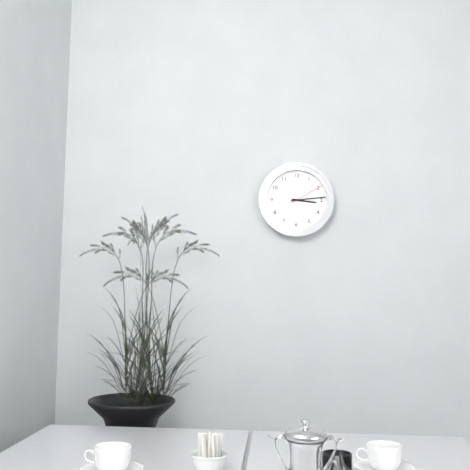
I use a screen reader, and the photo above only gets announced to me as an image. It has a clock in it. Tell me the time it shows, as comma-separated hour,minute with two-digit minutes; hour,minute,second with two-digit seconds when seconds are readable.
3,14
